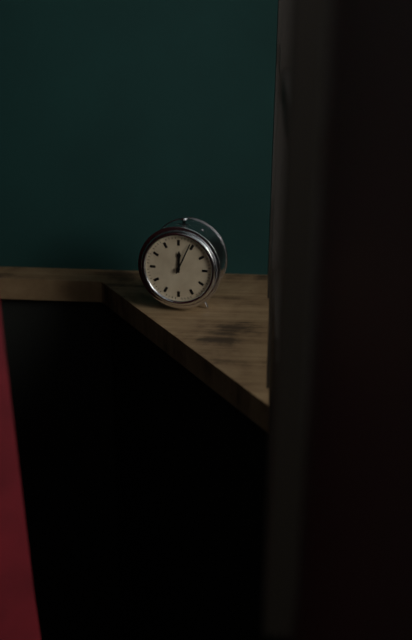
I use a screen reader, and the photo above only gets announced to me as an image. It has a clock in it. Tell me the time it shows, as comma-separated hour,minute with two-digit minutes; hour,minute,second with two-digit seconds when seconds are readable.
12,04
